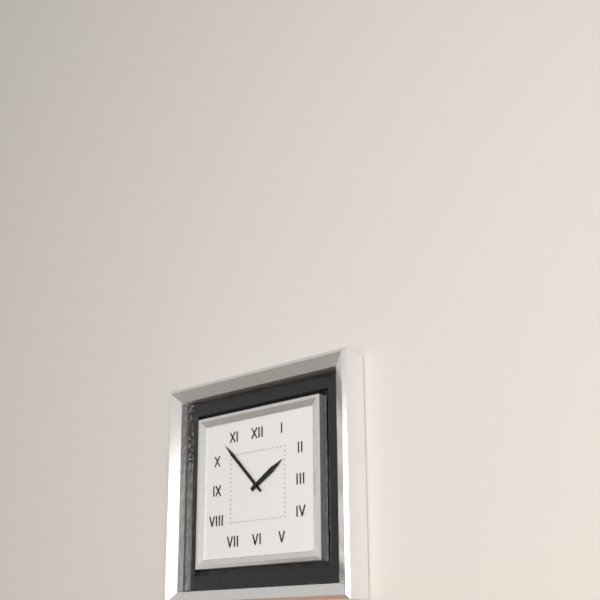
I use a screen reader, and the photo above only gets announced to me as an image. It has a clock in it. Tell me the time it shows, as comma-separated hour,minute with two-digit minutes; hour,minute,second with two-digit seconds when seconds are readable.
1,53
